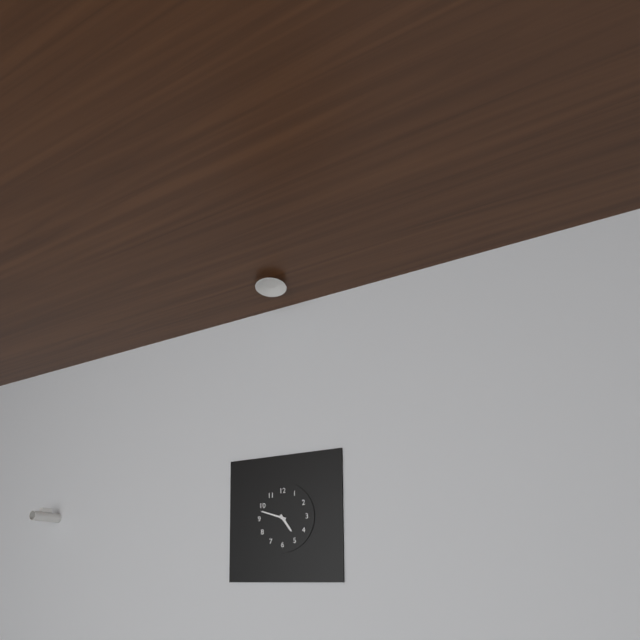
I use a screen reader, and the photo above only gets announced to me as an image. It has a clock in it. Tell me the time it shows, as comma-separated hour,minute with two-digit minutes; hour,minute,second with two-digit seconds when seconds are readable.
4,48
